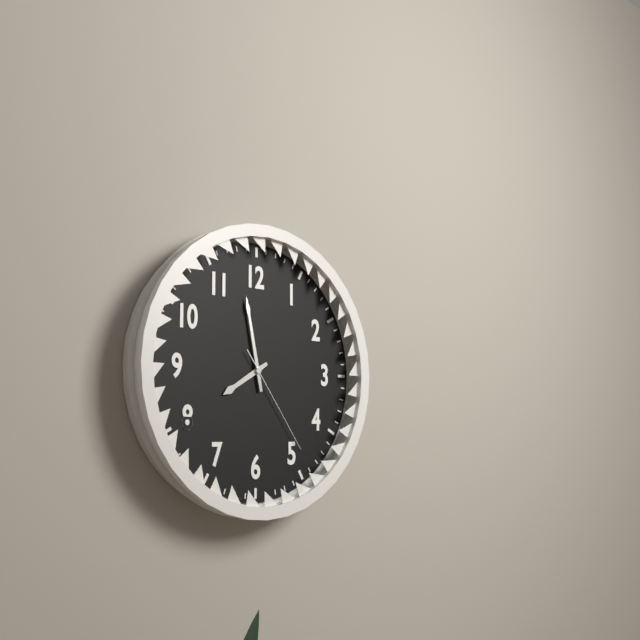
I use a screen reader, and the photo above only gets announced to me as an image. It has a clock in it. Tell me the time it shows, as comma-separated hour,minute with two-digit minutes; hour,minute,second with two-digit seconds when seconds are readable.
7,58,24
